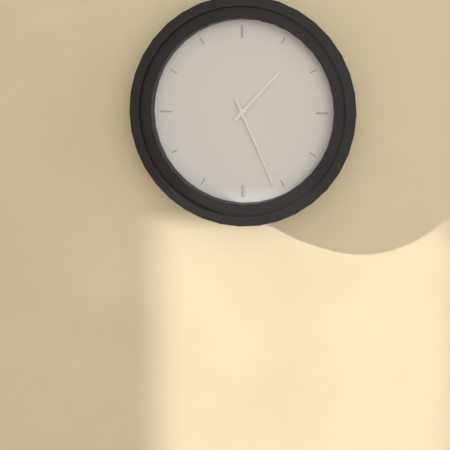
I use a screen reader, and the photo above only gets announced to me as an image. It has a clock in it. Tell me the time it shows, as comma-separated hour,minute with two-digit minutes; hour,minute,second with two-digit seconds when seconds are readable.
1,26
